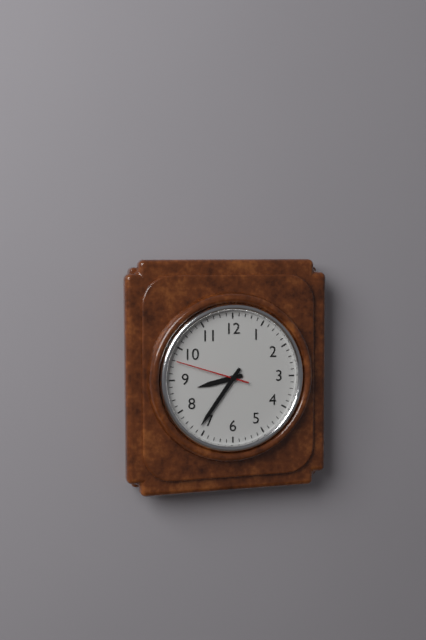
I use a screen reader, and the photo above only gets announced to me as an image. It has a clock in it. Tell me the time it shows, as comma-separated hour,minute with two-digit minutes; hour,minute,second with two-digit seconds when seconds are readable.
8,36,48
